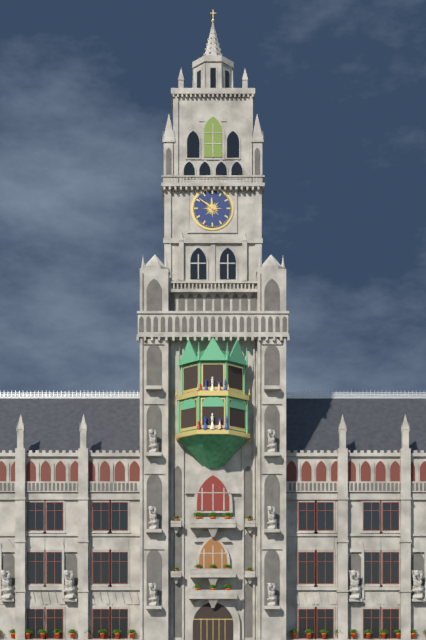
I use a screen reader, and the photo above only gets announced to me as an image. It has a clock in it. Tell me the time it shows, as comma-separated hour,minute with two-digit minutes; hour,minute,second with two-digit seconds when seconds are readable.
11,51
